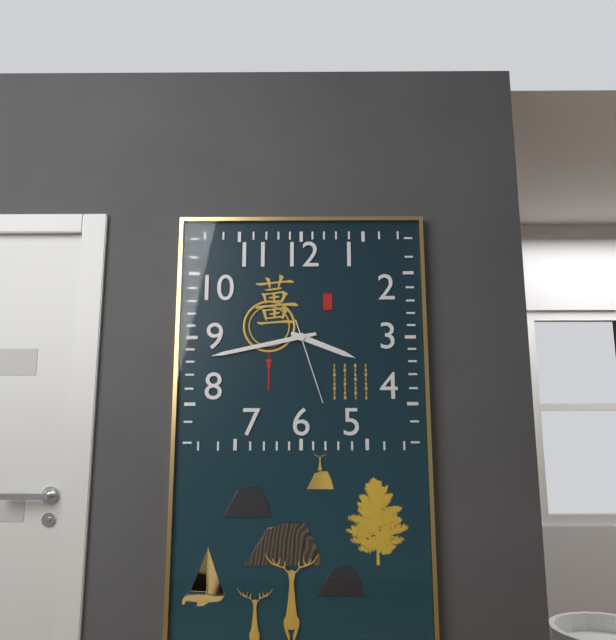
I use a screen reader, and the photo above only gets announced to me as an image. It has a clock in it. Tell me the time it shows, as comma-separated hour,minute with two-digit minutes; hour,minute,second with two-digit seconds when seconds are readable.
3,43,27
